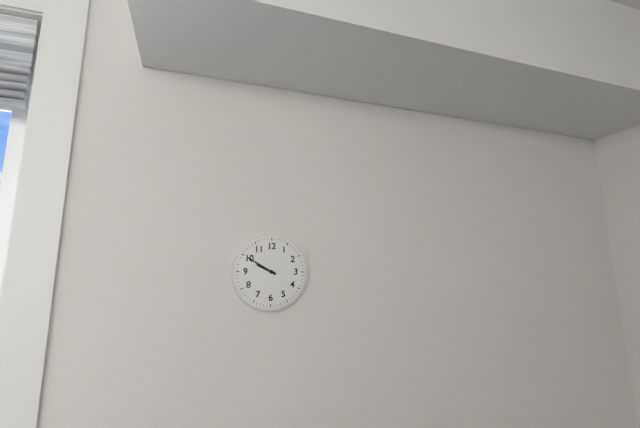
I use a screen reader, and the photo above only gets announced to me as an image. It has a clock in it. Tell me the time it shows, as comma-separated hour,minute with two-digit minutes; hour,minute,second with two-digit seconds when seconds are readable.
9,50
